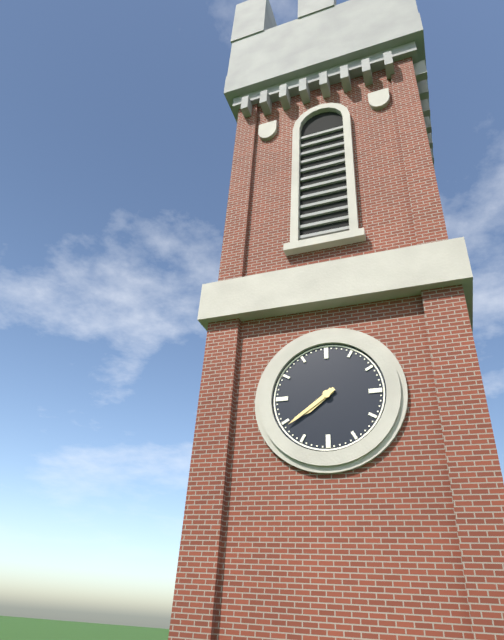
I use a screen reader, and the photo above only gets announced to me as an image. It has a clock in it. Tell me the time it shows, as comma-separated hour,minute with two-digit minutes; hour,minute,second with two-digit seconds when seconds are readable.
7,39
